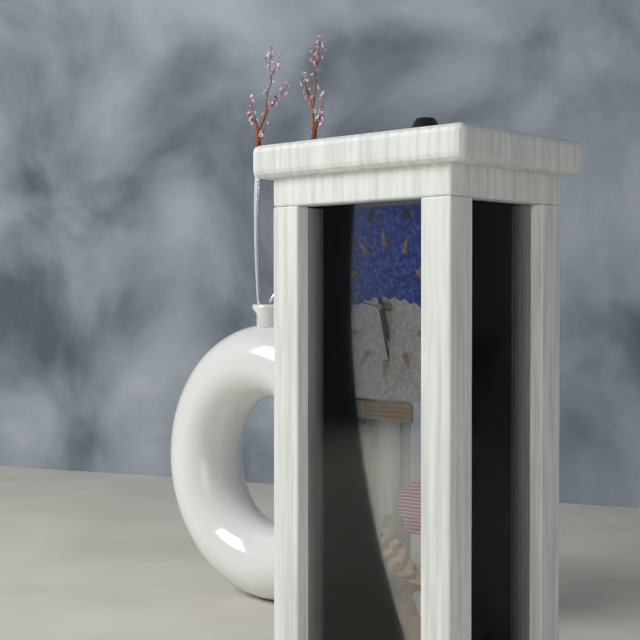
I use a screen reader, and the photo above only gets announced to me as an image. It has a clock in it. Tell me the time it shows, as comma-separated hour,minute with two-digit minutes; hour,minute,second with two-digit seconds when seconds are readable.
5,28
